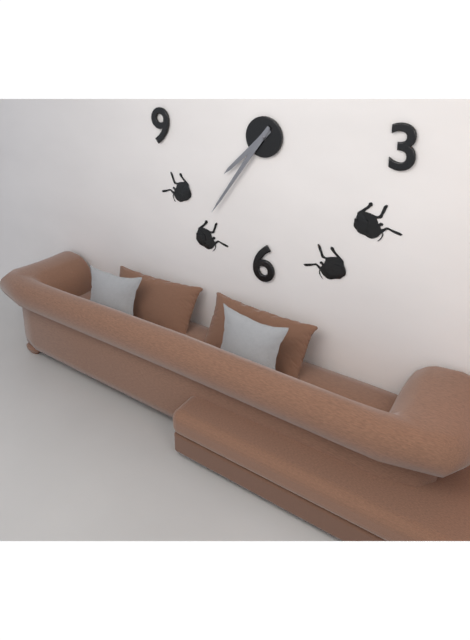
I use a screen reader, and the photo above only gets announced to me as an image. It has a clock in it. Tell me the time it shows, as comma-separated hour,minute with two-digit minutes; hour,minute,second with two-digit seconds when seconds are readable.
7,36
